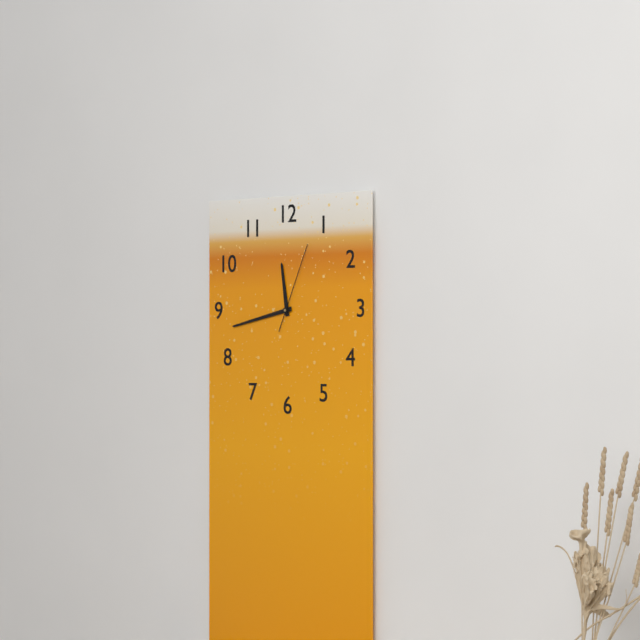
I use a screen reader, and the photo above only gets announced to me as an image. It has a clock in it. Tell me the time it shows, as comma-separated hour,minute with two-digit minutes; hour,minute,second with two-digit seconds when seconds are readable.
11,43,04
